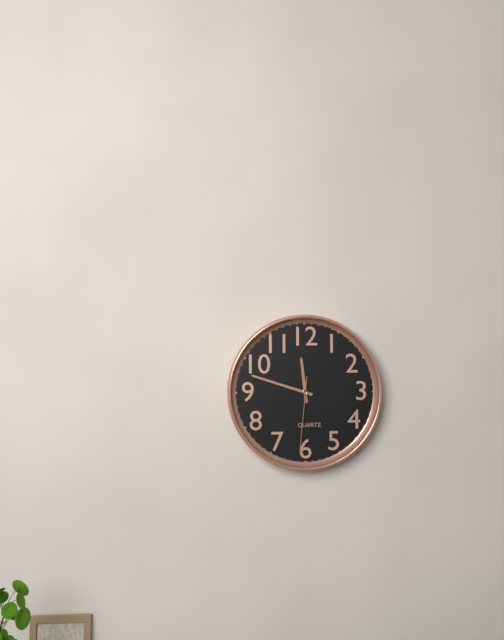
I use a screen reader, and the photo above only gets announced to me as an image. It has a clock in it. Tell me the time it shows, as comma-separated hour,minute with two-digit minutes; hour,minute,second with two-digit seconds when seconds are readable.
11,48,31
